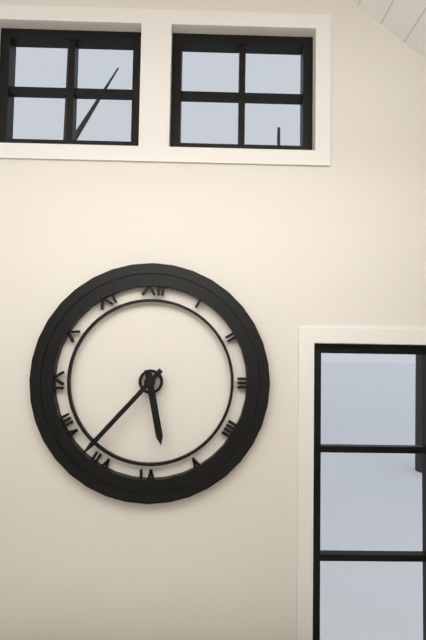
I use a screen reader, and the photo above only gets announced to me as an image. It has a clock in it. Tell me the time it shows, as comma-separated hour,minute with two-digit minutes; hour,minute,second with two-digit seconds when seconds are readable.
5,37
